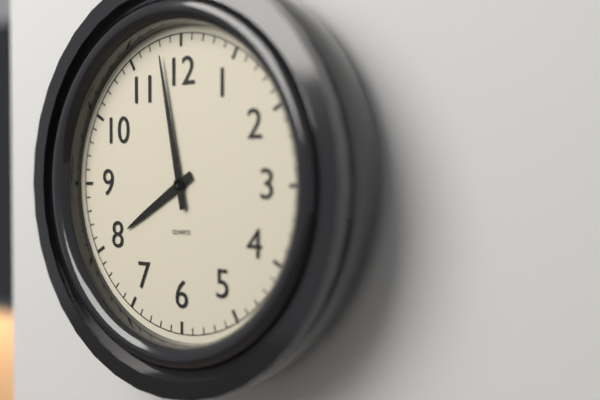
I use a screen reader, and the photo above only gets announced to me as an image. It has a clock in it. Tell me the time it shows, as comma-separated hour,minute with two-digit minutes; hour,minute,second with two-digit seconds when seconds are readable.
7,58
